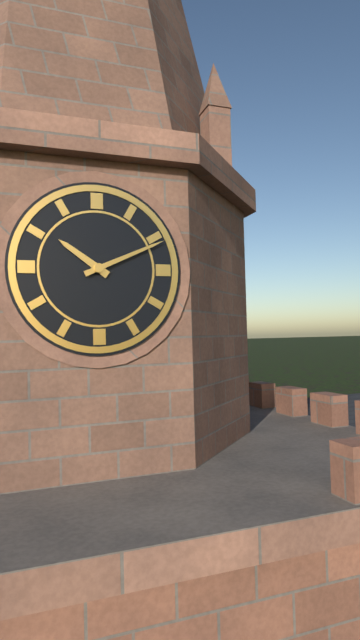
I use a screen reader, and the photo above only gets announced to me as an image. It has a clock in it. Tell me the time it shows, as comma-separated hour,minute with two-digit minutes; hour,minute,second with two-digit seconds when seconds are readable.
10,11
